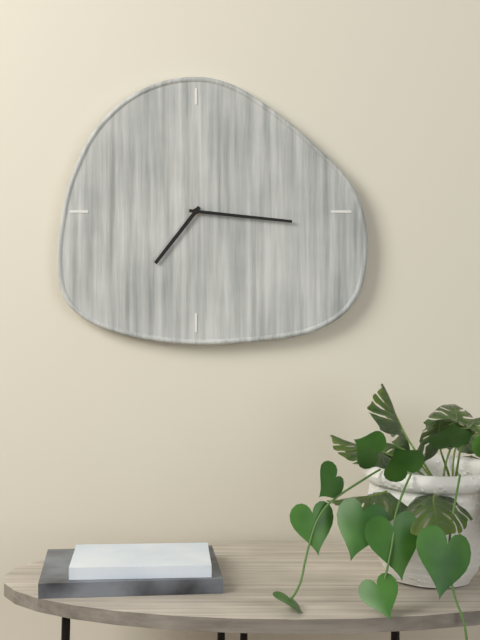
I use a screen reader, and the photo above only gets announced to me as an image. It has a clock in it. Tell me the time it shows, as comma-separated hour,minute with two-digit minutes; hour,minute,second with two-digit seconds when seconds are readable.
7,16
